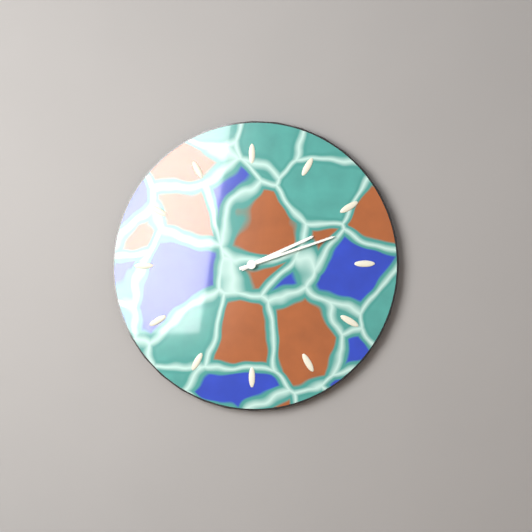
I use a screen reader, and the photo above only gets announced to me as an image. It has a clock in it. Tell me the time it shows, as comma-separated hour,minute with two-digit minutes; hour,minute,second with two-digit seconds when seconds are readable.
2,12
